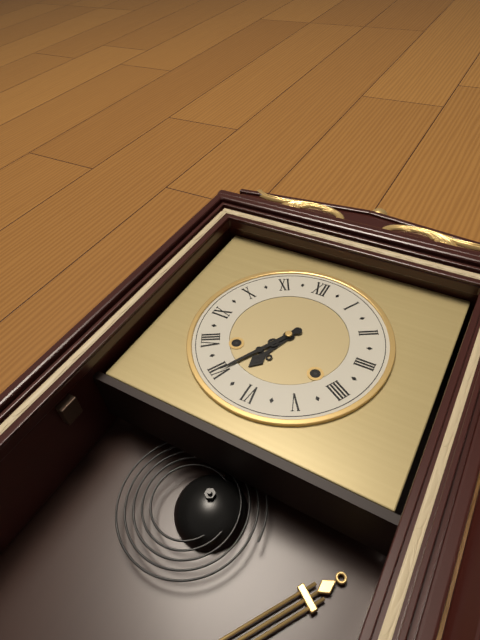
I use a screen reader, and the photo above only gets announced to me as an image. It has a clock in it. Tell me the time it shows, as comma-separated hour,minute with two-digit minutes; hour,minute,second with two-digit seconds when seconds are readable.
6,35
